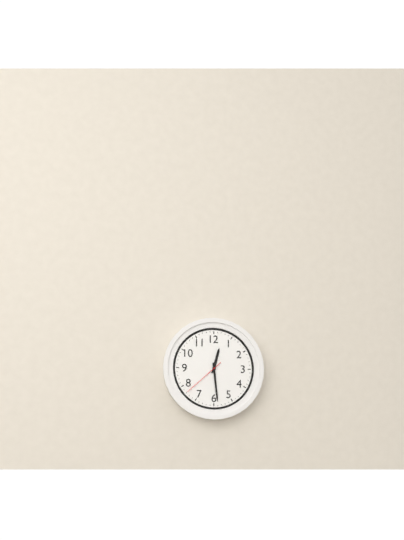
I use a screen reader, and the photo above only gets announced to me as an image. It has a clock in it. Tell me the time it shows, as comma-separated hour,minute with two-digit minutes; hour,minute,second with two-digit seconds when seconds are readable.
12,29
